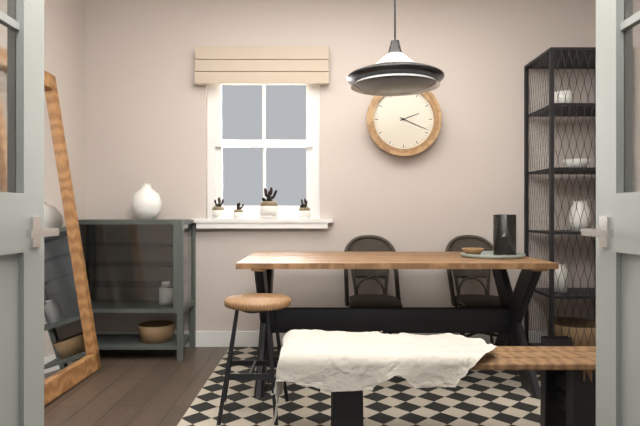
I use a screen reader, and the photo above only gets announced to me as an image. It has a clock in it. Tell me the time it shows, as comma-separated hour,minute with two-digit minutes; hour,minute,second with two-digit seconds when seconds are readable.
2,19
